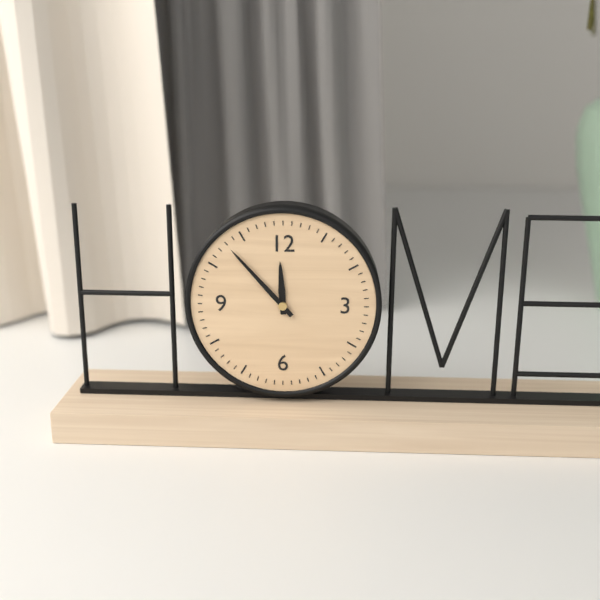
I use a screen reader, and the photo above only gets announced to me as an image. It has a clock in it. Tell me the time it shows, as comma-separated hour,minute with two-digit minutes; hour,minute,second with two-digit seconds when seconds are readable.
11,53
